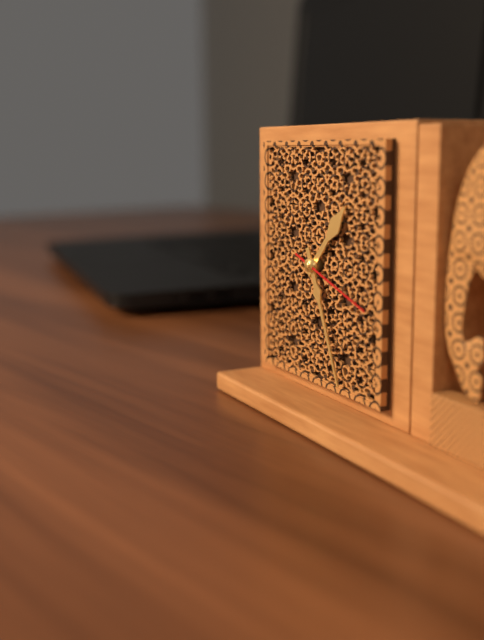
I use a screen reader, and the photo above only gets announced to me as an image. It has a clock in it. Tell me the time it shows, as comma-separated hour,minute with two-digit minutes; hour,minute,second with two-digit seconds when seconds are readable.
1,26,18
